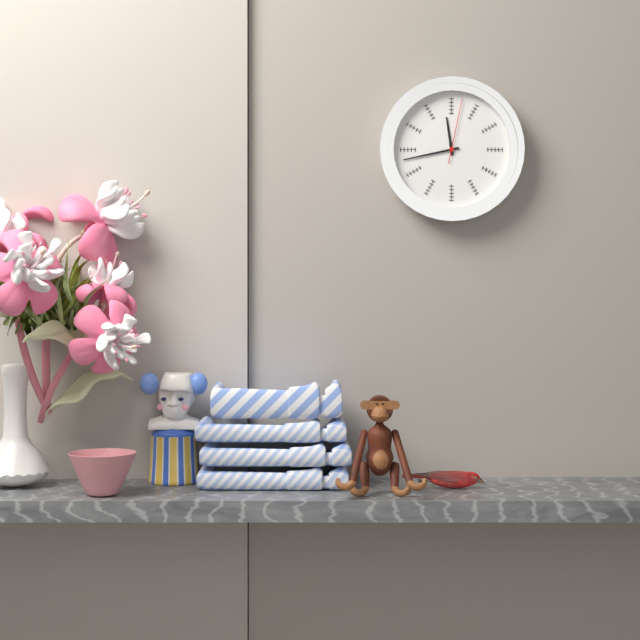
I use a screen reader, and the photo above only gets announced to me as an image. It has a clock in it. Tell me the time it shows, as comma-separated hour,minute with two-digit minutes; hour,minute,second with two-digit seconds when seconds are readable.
11,43,02
